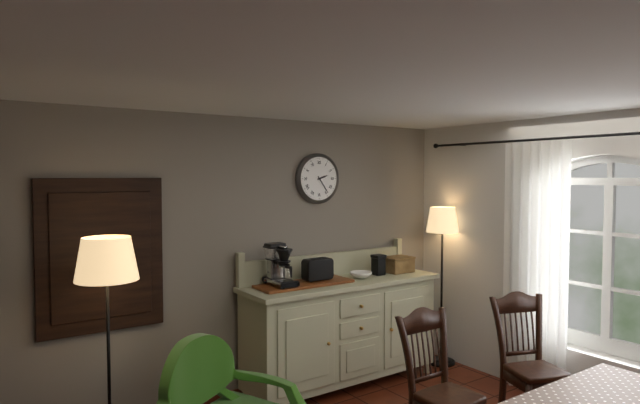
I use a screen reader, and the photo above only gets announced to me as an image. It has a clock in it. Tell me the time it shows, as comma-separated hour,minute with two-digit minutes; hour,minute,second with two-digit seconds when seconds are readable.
2,24
